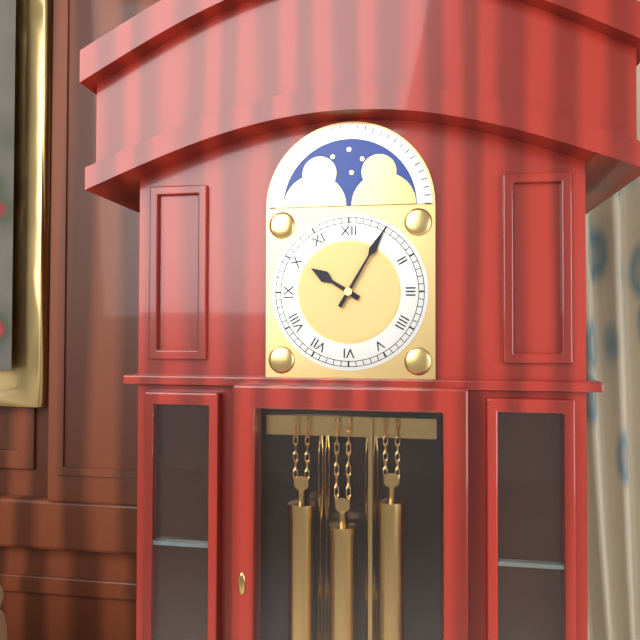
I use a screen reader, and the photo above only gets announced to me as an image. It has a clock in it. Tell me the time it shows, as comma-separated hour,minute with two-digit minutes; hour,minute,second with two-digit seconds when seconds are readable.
10,05
